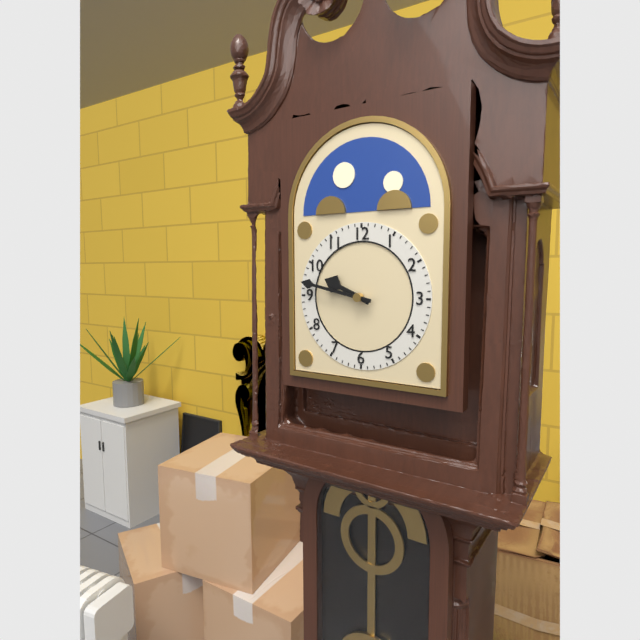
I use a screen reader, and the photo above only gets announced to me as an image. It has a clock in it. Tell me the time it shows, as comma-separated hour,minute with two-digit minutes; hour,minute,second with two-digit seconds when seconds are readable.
9,47
